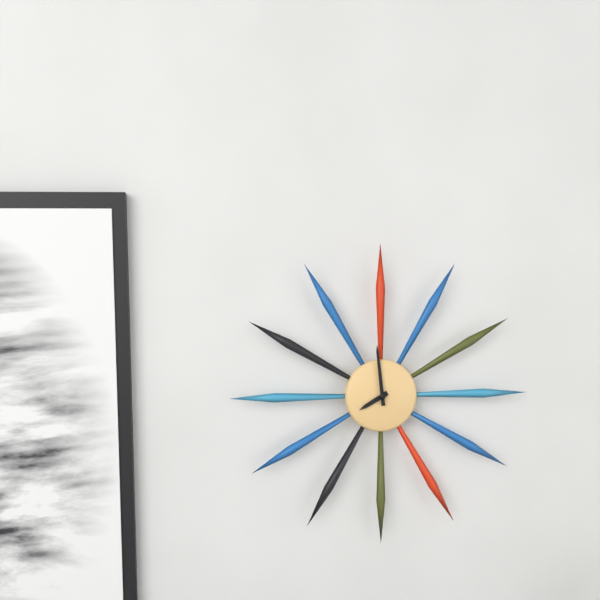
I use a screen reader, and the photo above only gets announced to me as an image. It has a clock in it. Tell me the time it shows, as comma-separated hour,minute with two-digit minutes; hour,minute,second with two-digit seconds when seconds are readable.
7,59
